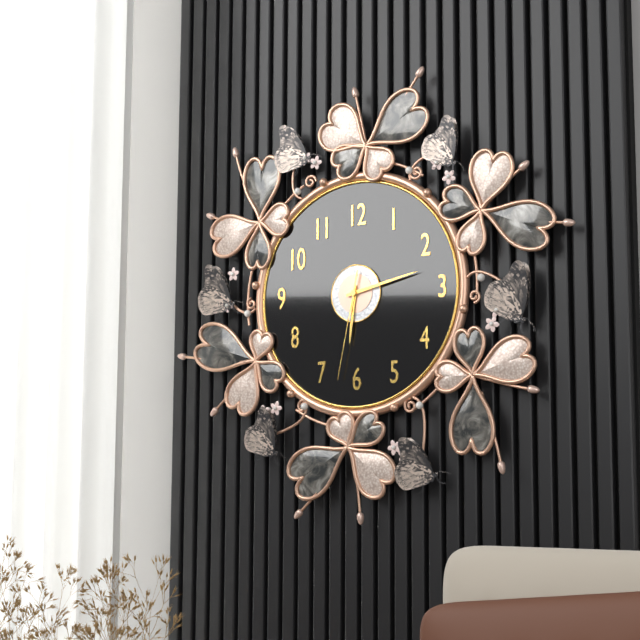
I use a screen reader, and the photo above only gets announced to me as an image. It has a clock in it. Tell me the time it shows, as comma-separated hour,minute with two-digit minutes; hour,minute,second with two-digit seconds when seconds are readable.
6,13,32
